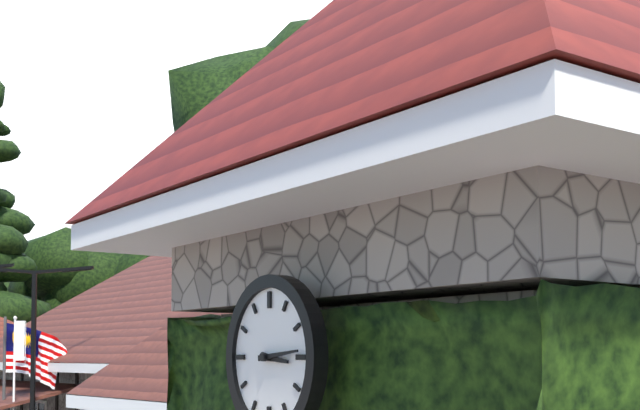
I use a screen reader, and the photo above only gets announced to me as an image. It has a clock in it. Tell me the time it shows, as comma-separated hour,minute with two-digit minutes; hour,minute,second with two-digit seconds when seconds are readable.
3,14
